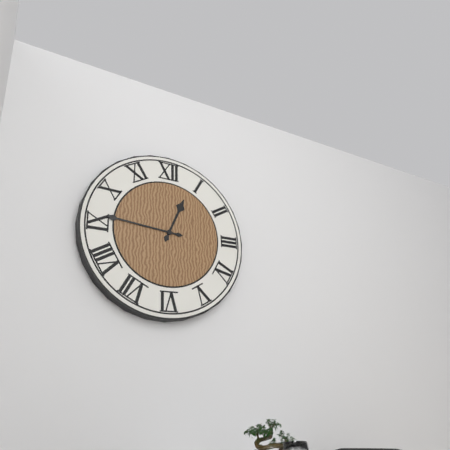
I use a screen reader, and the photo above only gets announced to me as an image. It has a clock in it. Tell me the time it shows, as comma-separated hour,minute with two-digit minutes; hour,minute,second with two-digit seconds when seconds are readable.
12,46
